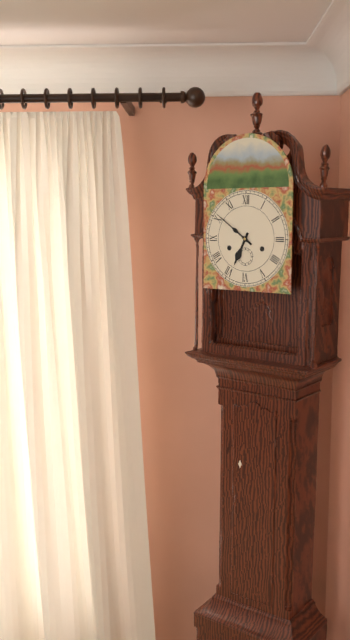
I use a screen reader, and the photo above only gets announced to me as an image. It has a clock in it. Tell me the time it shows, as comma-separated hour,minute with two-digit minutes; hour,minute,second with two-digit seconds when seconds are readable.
6,51
